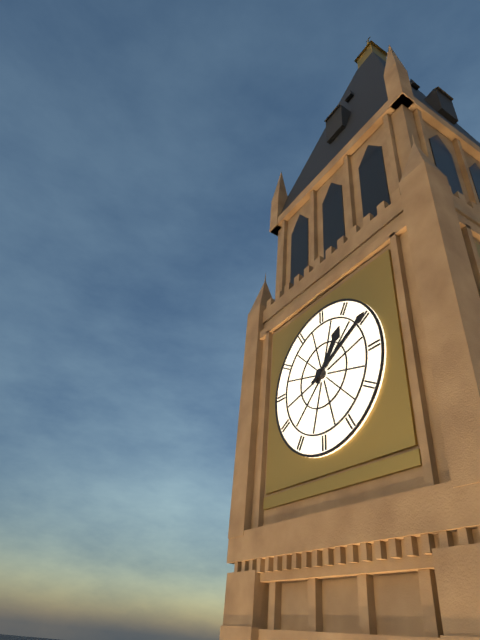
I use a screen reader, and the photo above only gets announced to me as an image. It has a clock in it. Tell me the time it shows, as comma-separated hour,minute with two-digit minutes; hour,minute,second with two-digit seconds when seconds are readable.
1,10
